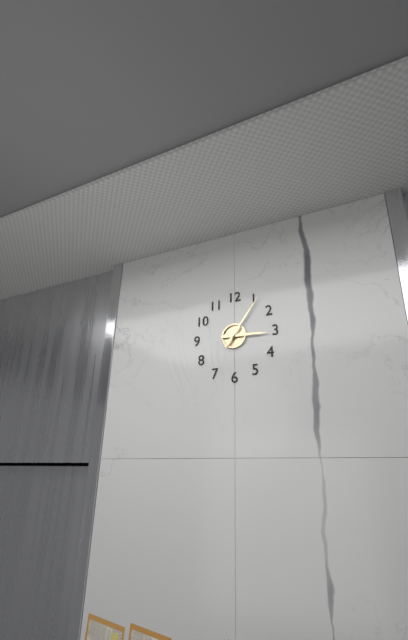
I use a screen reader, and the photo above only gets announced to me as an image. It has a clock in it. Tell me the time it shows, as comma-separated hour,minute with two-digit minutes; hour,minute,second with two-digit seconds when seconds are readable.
3,06
